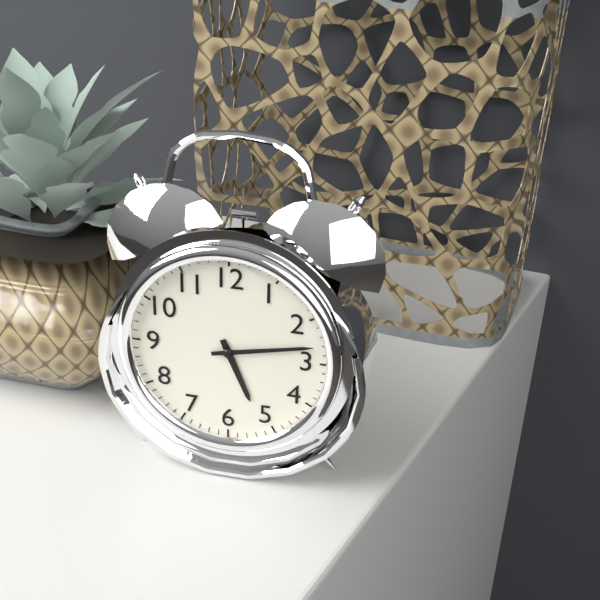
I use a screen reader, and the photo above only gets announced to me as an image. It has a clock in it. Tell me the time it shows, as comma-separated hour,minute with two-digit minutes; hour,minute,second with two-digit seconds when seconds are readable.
5,13
